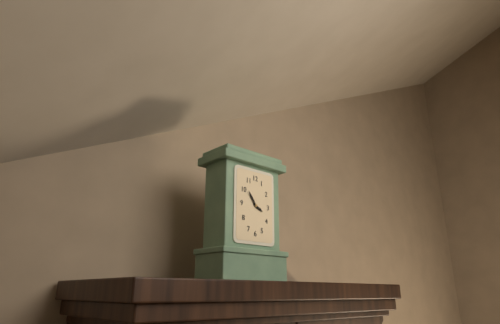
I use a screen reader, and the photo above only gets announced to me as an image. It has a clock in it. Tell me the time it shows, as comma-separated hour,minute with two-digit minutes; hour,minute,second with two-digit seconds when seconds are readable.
3,54
